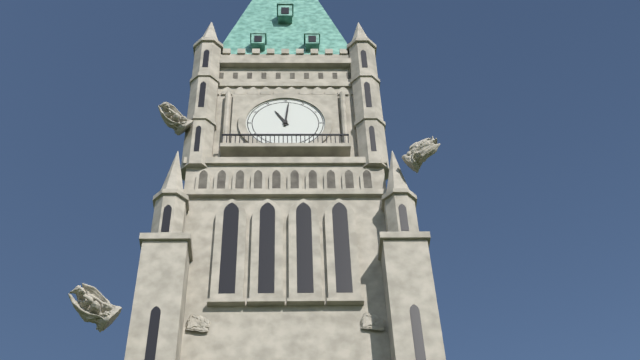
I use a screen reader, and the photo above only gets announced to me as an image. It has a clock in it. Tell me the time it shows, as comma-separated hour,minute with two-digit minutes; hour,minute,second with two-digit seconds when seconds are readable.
11,01
